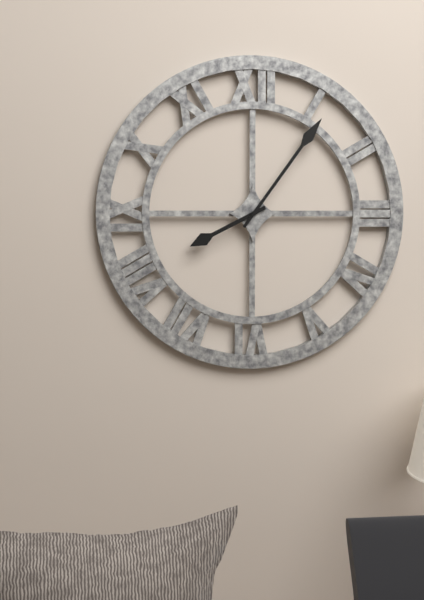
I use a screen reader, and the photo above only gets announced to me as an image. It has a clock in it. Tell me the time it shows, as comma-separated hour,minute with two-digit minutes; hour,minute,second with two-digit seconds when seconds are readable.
8,06
